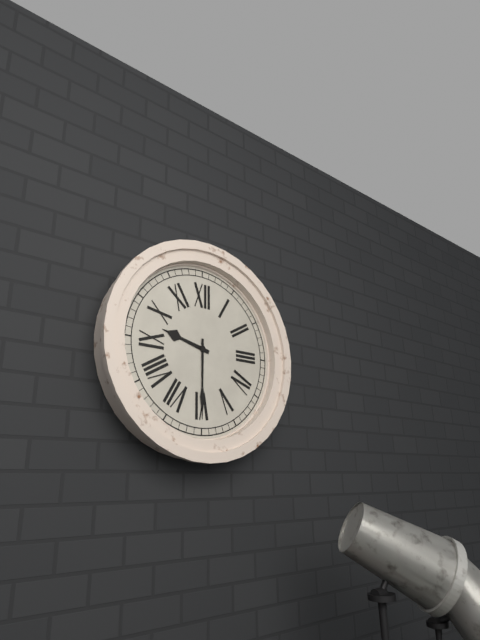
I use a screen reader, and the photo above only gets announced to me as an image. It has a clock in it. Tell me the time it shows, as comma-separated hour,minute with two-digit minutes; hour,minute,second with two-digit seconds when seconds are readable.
9,30
